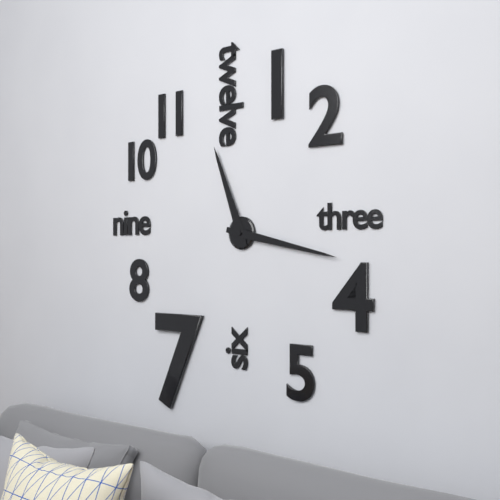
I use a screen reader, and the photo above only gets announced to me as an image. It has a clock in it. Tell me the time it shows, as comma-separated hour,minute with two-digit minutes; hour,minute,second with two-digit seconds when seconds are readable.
11,17
